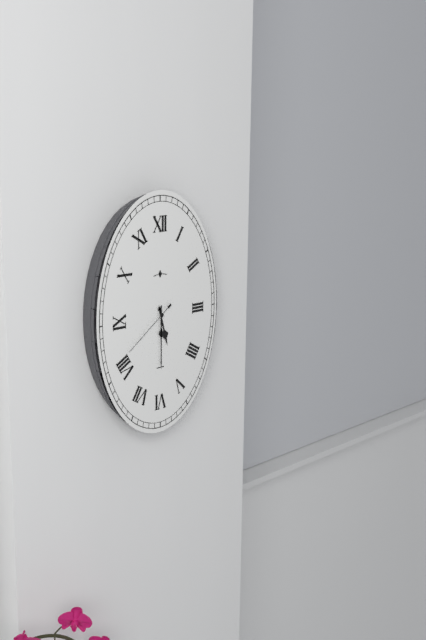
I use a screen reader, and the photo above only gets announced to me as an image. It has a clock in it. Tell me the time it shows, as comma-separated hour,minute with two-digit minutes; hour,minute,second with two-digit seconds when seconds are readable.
5,30,39
